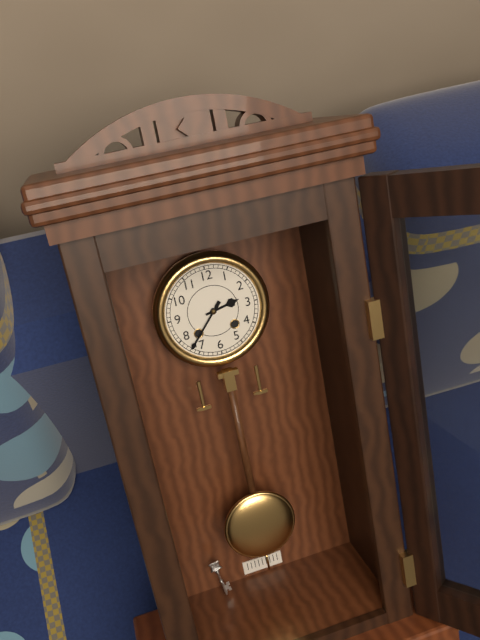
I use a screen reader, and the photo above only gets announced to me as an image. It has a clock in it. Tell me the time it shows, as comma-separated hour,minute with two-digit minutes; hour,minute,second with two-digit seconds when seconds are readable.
2,37
